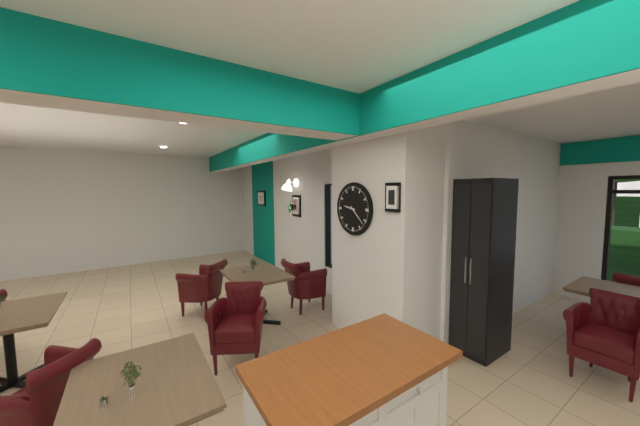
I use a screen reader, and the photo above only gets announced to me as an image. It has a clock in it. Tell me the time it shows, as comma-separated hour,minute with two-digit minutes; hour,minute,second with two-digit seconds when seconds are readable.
9,22
